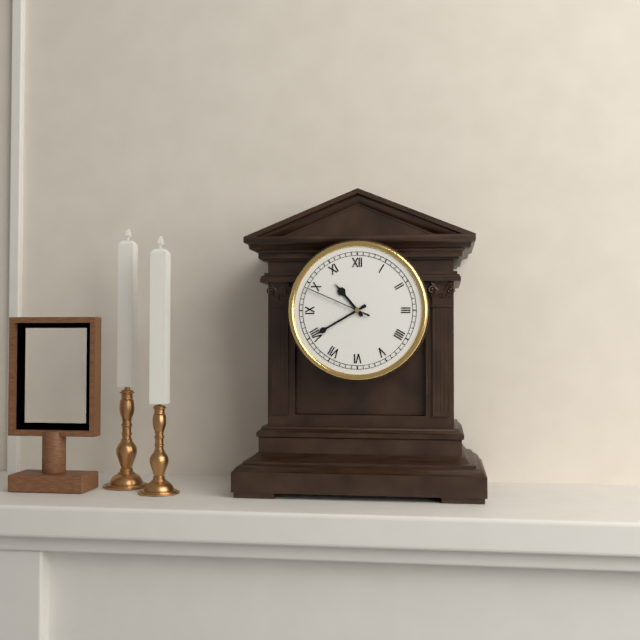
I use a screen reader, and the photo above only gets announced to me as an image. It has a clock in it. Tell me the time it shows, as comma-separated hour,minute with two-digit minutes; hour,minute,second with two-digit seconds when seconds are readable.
10,40,49
